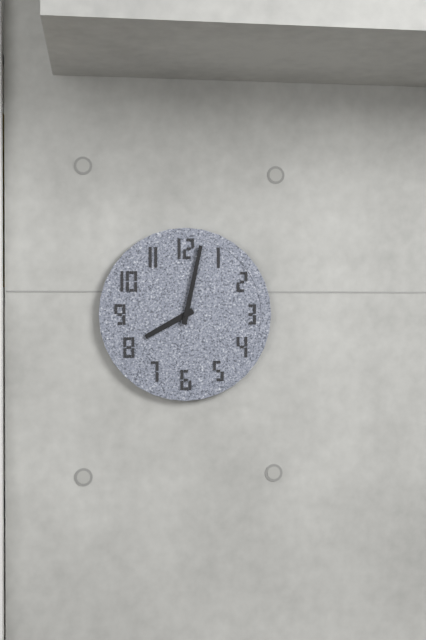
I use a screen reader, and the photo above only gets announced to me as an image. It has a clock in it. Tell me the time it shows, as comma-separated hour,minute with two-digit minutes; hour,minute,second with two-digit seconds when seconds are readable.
8,02
